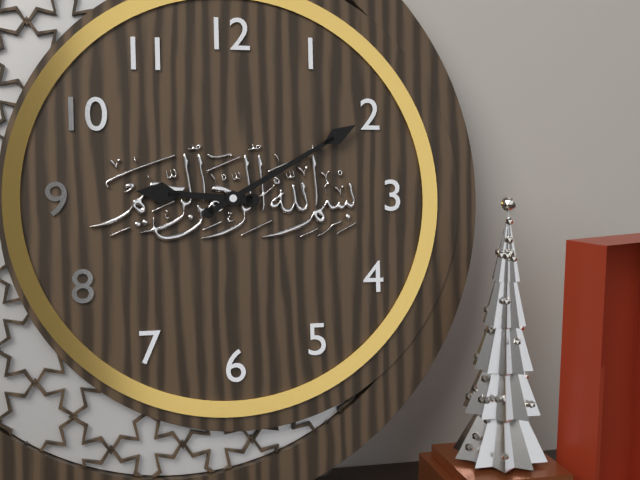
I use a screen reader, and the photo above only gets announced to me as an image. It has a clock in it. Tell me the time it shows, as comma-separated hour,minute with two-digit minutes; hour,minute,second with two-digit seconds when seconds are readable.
9,10
